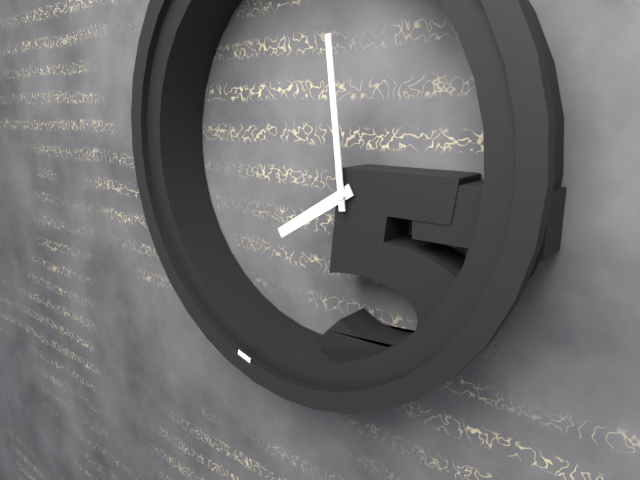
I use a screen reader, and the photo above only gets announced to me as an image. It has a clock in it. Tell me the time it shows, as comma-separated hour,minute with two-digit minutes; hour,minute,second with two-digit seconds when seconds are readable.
7,59
